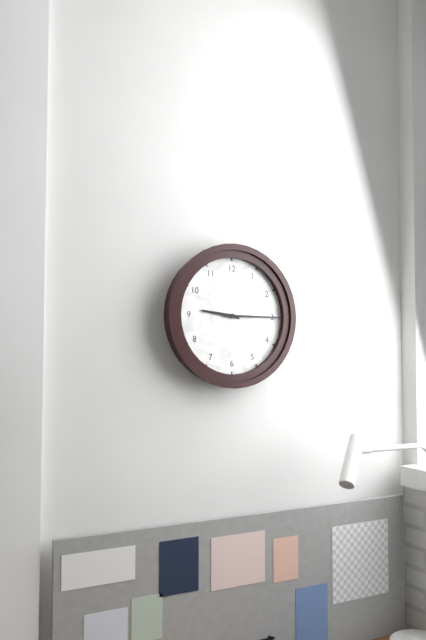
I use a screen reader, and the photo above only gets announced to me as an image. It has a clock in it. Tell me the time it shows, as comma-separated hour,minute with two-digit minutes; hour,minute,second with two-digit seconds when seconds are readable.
9,15
